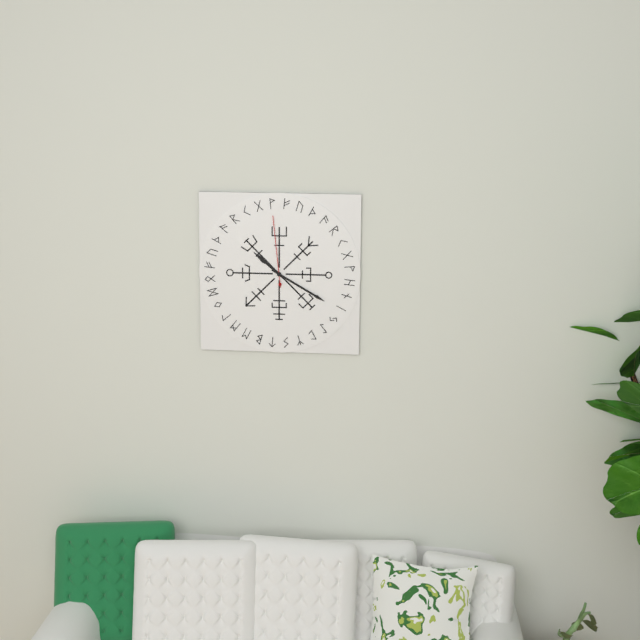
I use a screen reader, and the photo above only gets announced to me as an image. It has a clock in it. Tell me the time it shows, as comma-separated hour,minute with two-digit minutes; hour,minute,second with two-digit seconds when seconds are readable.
10,20,59
